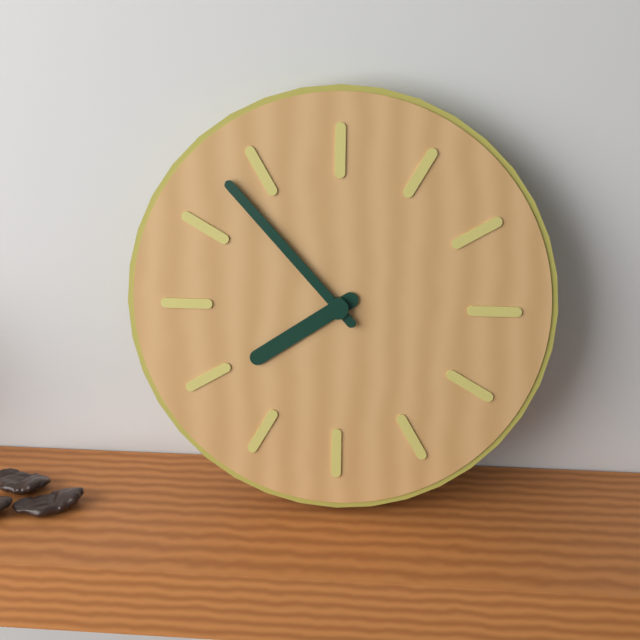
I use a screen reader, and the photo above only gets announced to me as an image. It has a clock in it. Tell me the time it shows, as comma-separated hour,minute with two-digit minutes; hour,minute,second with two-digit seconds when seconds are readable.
7,53
